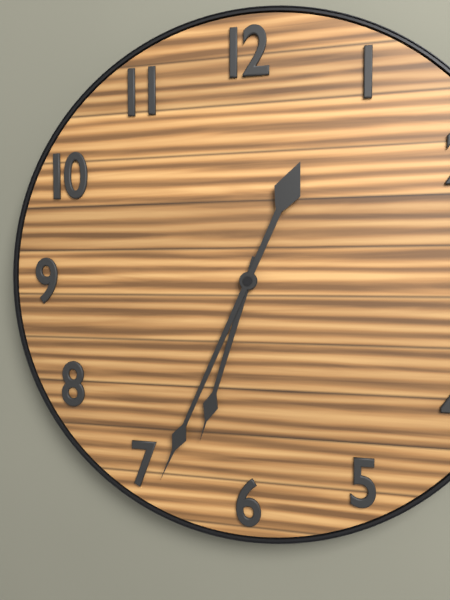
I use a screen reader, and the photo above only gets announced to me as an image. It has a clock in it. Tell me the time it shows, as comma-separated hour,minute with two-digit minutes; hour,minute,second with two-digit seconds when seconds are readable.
6,34
